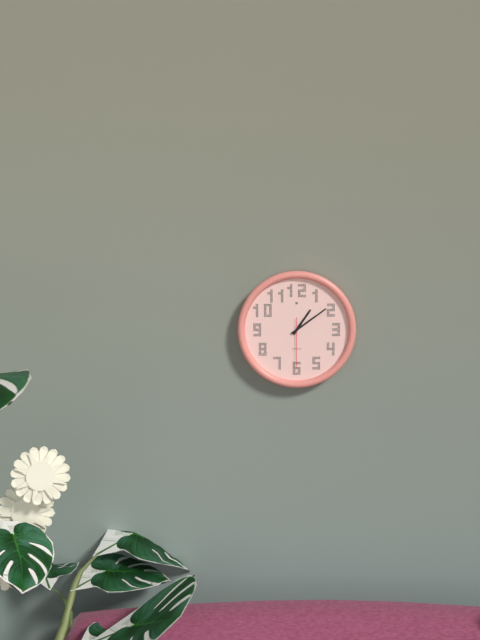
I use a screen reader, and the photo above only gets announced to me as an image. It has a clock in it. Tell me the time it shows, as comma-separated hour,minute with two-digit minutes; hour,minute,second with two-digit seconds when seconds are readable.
1,09
